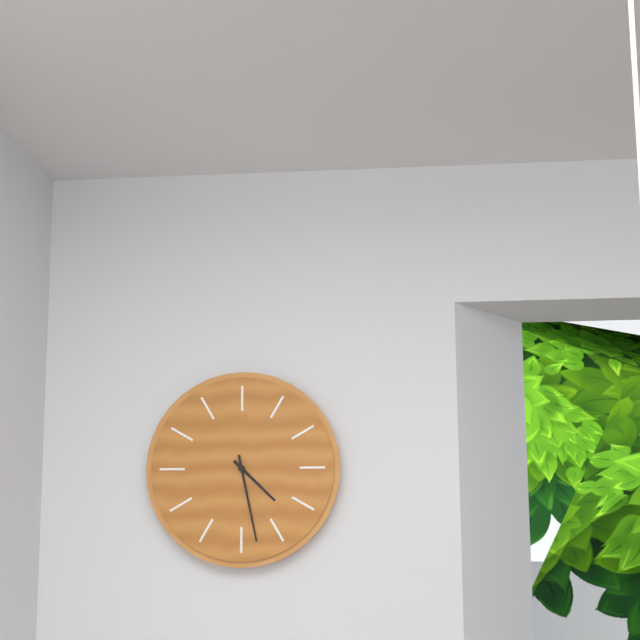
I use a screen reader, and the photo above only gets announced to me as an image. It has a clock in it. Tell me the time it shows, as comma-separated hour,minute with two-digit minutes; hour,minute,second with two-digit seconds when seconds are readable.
4,28
